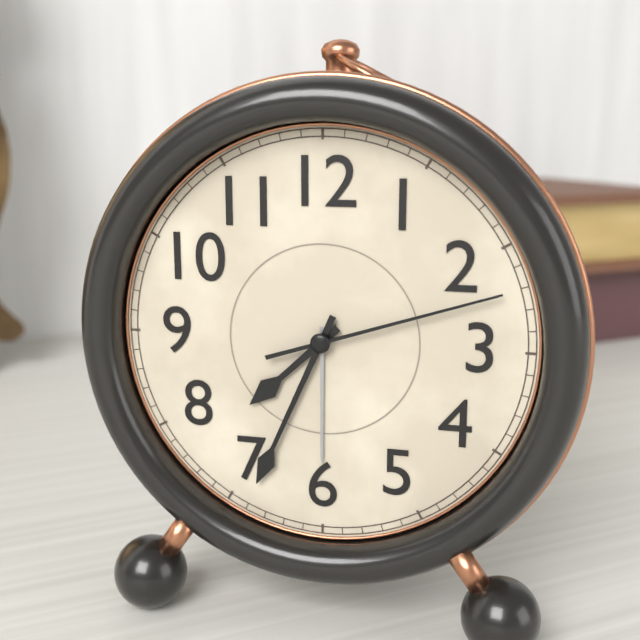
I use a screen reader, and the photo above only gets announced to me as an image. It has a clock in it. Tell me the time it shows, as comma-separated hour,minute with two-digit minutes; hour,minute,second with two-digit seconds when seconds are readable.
7,34,12
